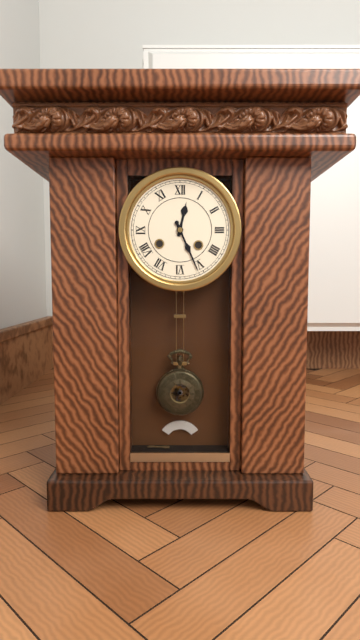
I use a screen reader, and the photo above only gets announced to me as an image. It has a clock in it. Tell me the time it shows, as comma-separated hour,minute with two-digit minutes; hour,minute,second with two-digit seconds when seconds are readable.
12,26
